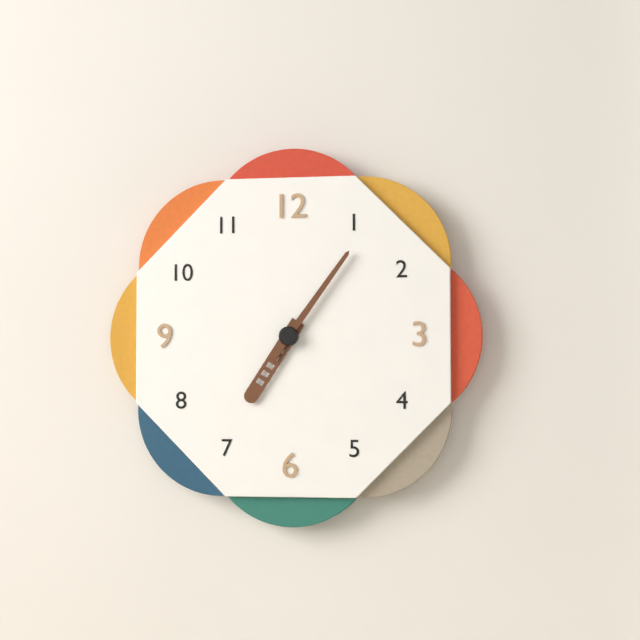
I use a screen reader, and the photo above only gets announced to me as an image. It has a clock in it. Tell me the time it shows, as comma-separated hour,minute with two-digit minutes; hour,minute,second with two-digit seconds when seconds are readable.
7,06
